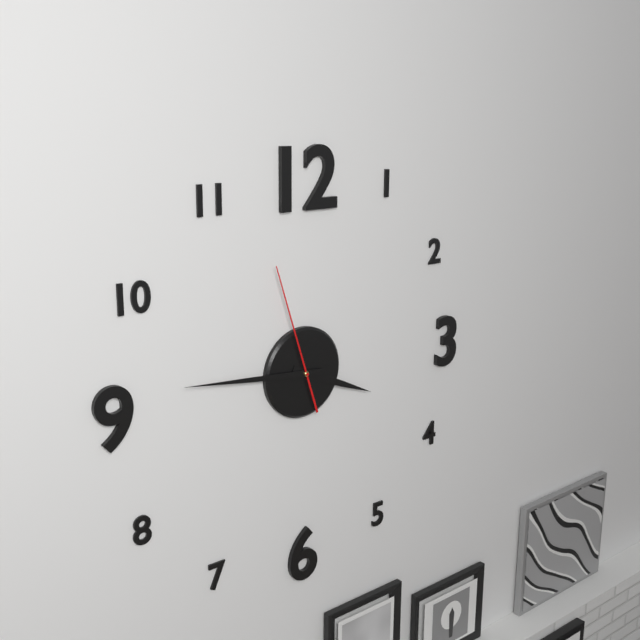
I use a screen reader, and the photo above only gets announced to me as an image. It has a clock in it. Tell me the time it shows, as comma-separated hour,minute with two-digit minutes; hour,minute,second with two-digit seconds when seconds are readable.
3,46,57
